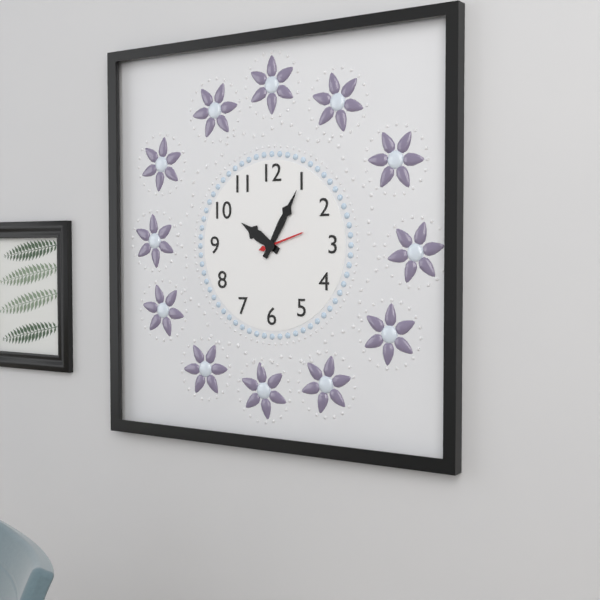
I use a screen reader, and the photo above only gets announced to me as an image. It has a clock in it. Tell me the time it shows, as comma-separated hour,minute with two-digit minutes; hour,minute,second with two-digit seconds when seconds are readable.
10,05
